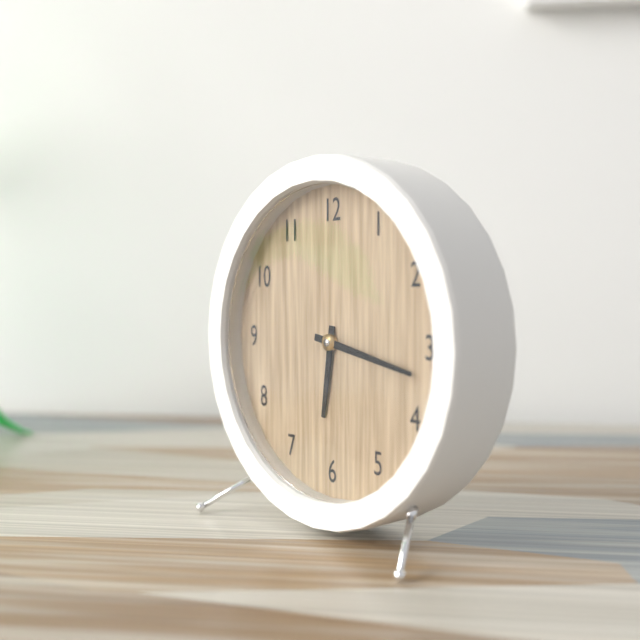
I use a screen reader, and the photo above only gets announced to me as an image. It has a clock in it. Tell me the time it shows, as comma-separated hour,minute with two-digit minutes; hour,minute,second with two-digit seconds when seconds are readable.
6,17
